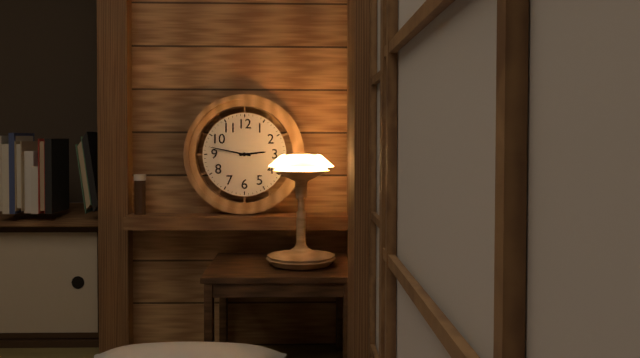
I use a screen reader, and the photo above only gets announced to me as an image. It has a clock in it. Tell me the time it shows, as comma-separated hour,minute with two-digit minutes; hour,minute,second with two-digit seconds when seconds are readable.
2,47
